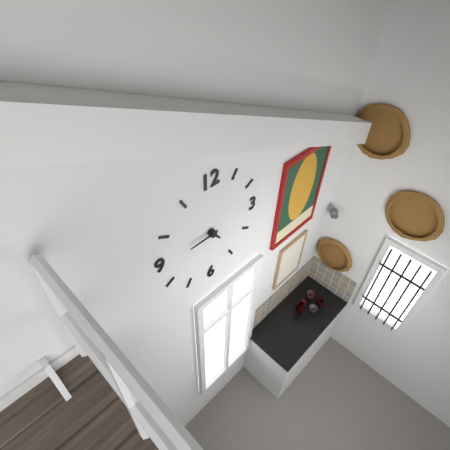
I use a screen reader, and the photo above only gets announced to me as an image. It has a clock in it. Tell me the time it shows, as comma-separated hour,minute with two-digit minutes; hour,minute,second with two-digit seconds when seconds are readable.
4,45
